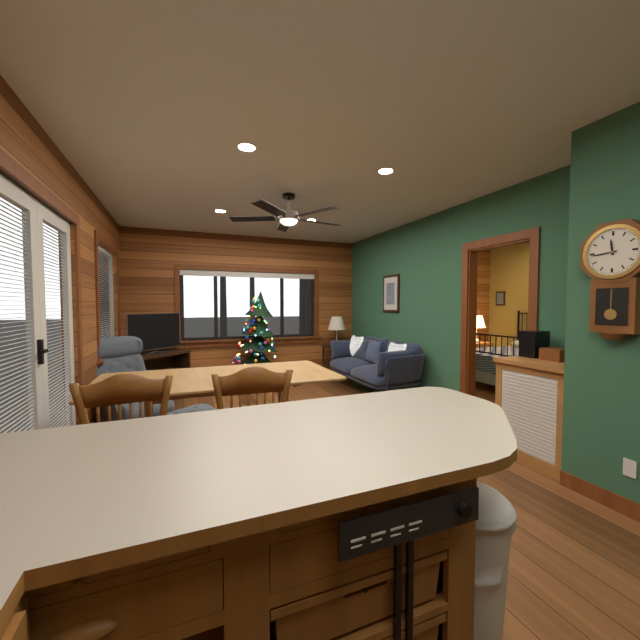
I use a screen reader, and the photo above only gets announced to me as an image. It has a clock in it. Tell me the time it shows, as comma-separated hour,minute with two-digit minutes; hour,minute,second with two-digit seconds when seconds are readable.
11,44
